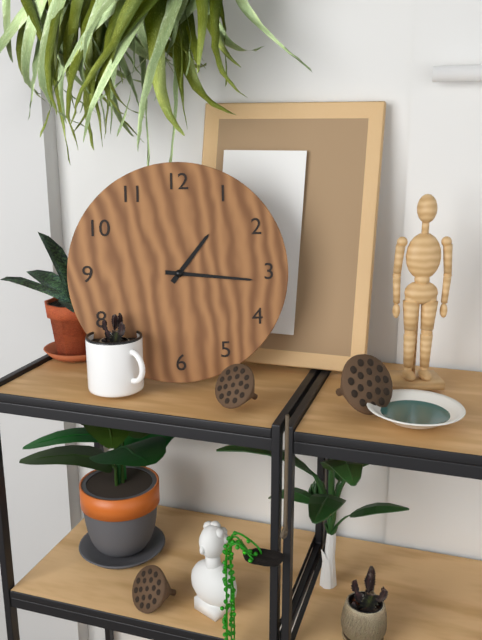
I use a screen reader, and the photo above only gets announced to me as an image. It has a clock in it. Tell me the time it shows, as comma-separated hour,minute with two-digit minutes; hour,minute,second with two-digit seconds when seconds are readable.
1,16
